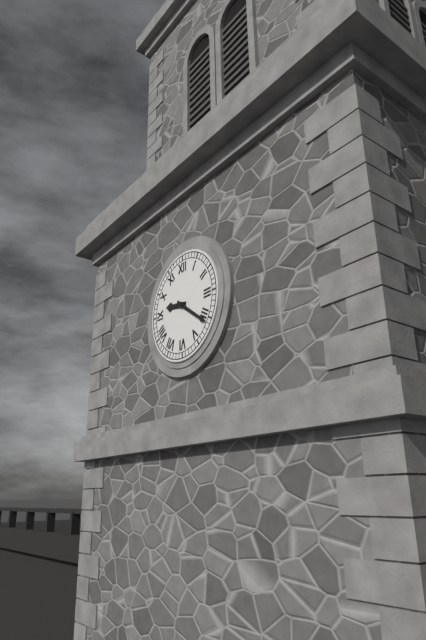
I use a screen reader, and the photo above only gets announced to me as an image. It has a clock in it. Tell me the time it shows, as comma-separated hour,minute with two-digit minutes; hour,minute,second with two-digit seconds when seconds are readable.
9,21
